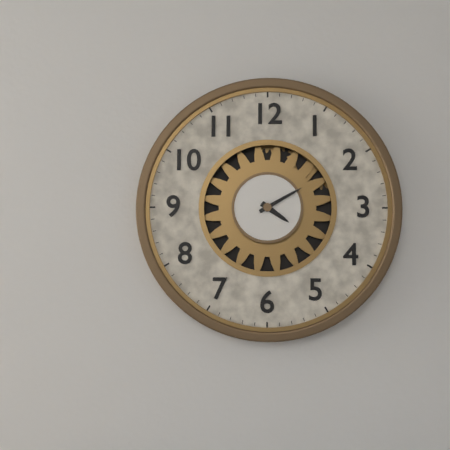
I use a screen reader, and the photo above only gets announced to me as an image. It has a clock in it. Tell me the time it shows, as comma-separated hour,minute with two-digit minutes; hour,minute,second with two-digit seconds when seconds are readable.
4,10
